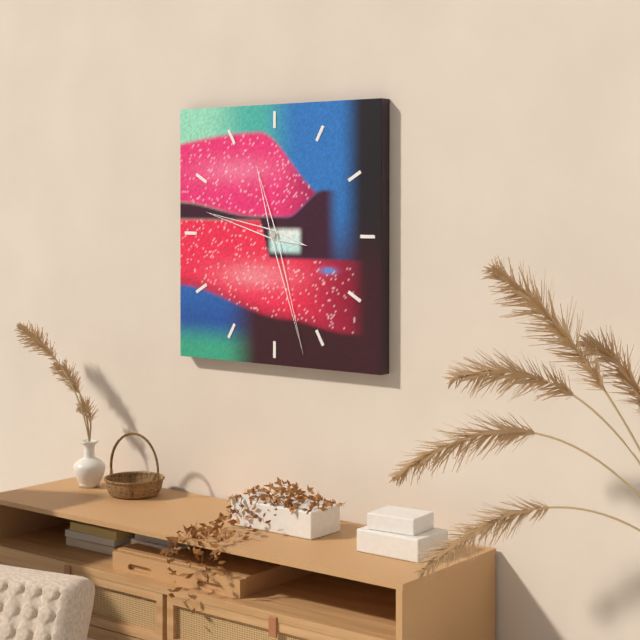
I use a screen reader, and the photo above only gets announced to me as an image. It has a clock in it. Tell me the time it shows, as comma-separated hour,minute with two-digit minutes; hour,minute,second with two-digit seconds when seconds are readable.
9,27
